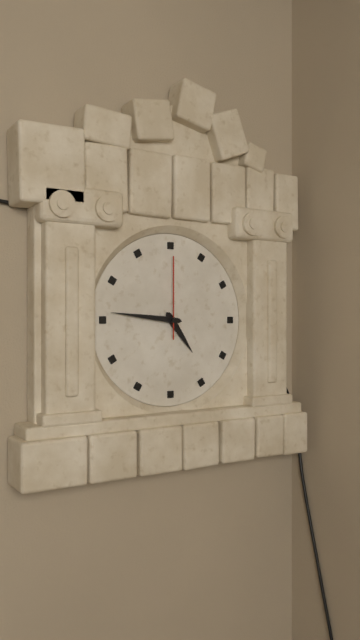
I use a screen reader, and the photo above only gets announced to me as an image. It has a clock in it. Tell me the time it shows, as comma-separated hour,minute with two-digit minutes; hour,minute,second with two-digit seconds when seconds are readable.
4,46,00
